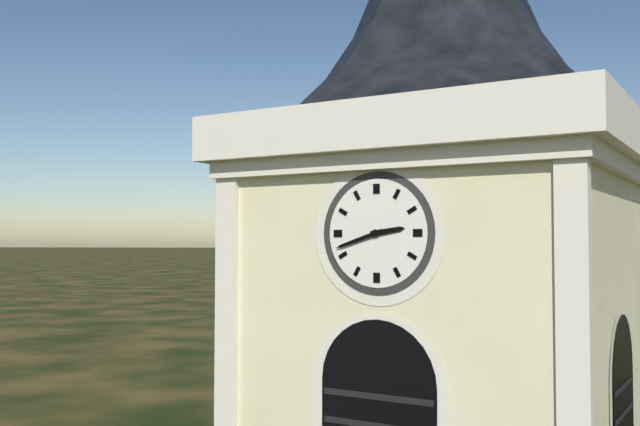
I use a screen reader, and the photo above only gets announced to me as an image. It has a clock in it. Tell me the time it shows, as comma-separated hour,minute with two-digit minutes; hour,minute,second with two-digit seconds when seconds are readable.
2,42
